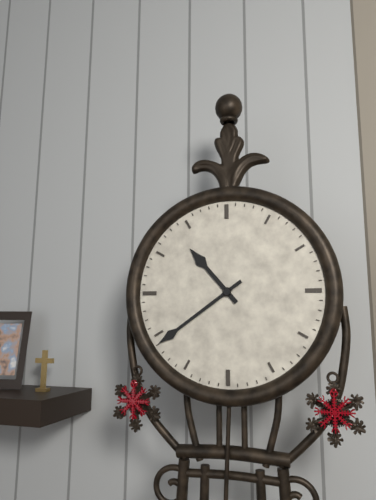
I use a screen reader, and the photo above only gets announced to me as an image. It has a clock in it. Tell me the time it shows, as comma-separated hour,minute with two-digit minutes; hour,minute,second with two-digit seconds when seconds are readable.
10,39
